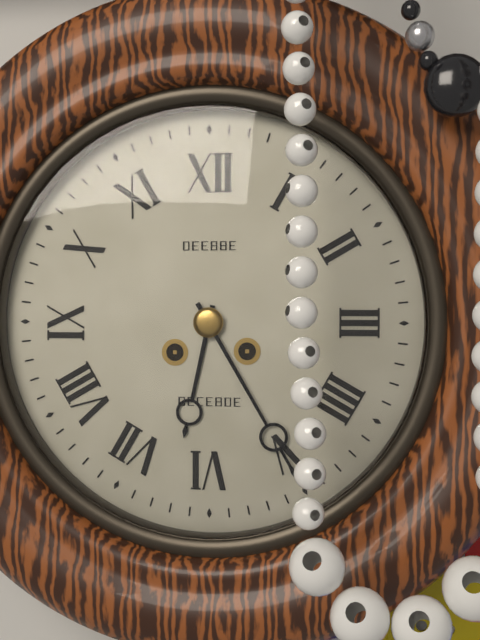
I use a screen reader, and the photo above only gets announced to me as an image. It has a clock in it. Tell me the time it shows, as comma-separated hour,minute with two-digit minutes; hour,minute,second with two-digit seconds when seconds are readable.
6,25
